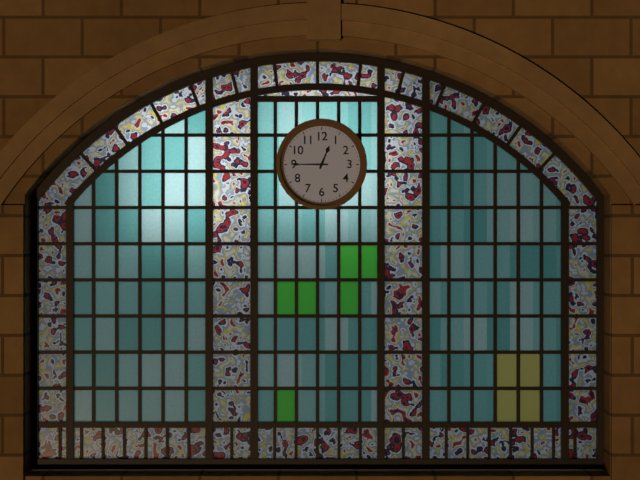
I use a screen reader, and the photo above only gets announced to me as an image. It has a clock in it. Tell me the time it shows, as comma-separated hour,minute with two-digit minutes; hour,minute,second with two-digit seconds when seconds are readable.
12,45
